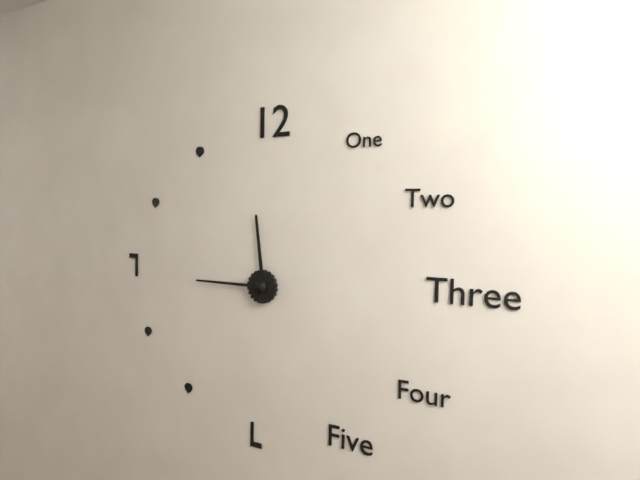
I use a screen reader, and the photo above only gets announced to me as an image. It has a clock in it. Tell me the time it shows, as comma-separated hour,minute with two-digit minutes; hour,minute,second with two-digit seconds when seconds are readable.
11,45
